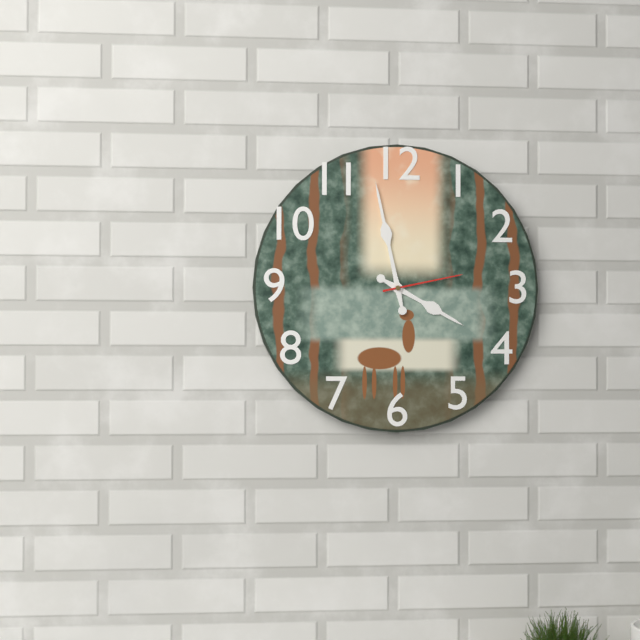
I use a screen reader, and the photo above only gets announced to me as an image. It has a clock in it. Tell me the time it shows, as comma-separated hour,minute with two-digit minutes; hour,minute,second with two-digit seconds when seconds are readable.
3,58,13
